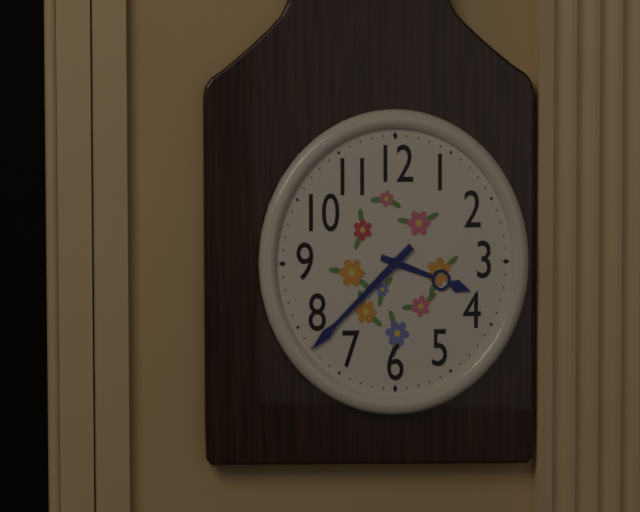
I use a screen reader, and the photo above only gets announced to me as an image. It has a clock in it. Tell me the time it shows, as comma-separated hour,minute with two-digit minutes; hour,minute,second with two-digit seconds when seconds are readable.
3,38
